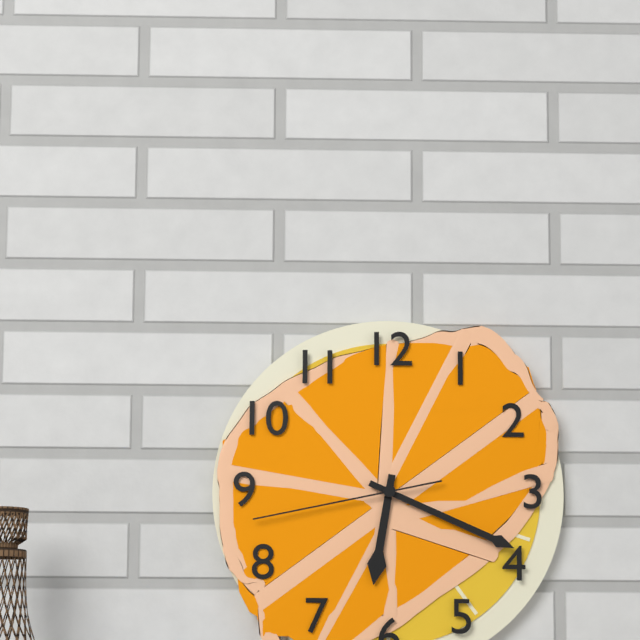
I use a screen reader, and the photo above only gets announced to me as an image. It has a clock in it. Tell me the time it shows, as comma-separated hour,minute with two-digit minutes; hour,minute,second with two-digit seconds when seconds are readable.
6,19,43
